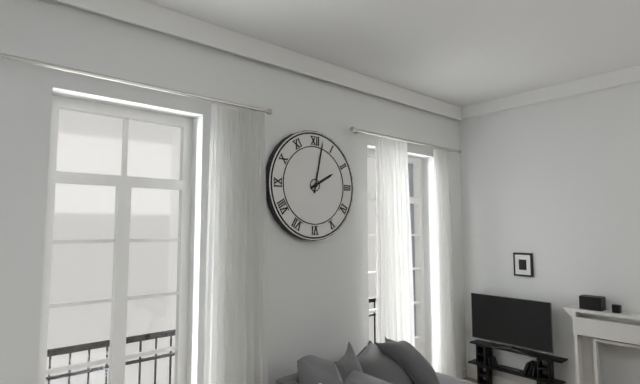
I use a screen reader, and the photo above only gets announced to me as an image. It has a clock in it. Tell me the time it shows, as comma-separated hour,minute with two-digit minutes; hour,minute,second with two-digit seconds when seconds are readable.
2,02
